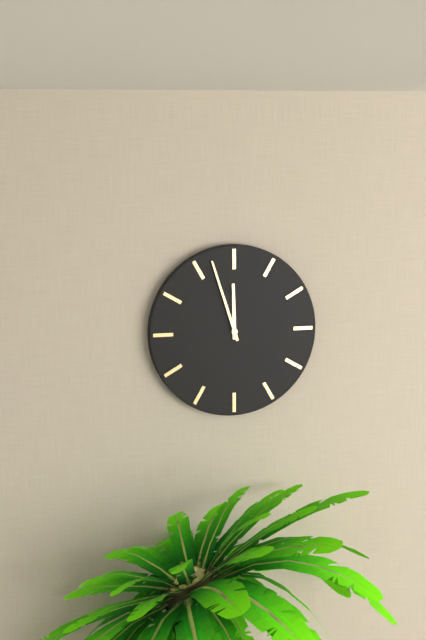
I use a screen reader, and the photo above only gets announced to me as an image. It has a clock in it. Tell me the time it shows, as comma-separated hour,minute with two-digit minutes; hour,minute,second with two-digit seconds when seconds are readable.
11,57
